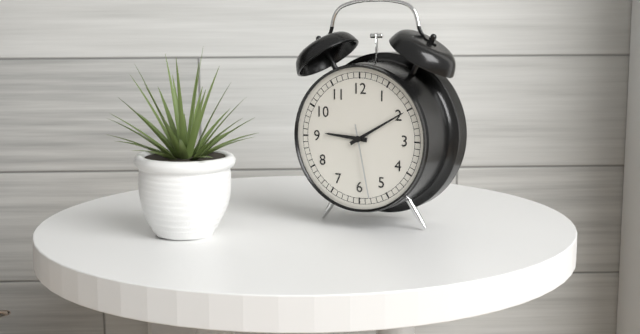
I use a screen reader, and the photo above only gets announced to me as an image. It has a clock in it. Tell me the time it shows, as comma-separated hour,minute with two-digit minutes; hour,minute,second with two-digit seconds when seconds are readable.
9,10,28
